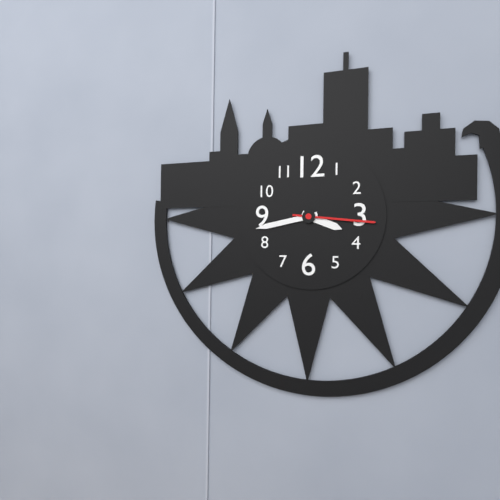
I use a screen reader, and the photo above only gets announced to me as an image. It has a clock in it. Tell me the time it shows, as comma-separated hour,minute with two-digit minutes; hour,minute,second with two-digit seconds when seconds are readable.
3,43,16
